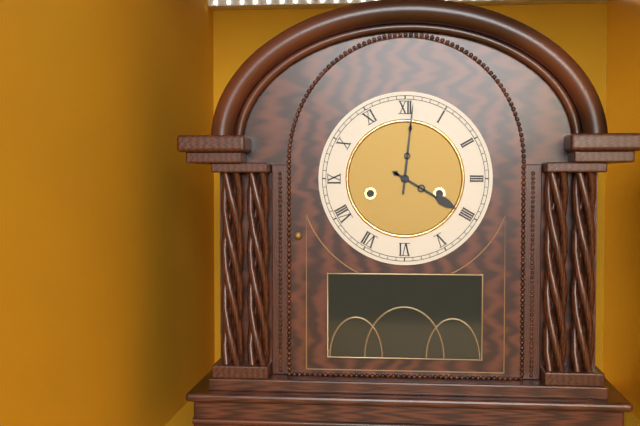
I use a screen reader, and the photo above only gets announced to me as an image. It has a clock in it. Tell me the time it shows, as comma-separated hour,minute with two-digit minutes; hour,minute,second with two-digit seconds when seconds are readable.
4,01
